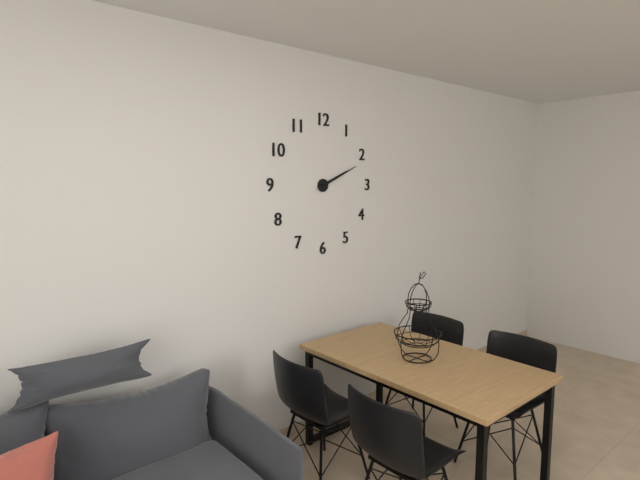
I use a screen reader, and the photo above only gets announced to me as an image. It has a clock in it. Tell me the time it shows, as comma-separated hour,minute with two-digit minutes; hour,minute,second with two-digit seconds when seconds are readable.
2,11
